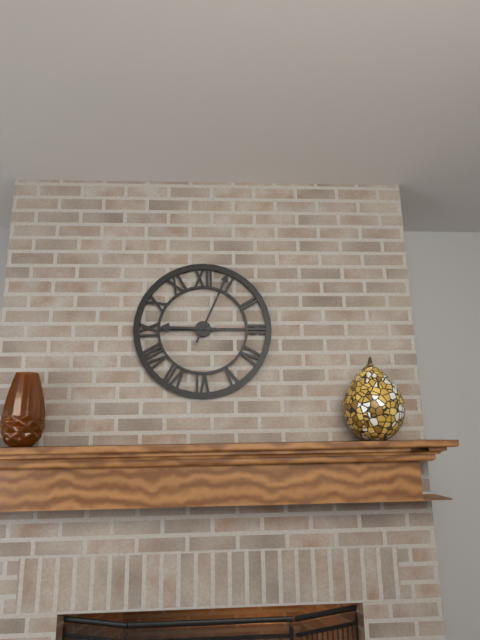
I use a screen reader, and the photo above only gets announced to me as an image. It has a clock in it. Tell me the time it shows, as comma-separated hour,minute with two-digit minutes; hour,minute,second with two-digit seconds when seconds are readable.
9,04
